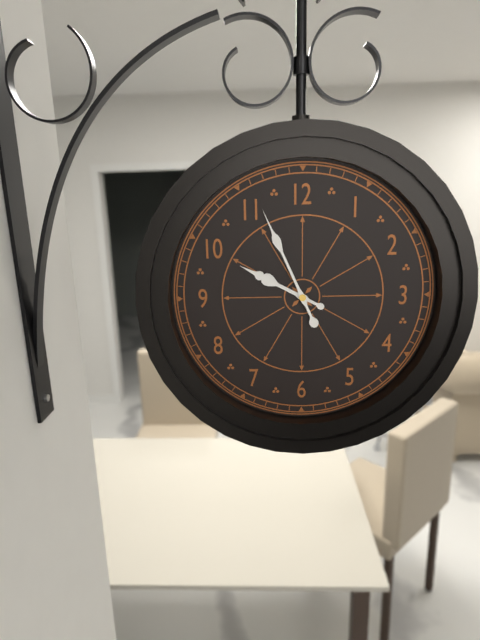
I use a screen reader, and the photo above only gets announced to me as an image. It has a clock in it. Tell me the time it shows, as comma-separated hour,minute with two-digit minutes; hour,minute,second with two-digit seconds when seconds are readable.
9,56
